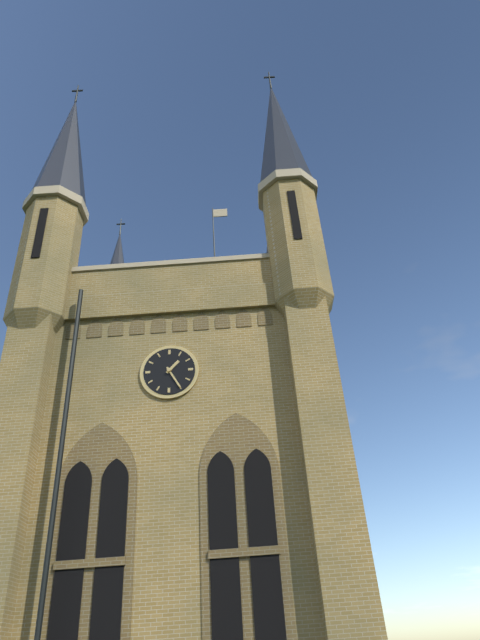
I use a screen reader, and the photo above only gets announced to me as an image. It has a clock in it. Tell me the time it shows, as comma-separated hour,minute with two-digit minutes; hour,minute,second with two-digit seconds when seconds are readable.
1,25
